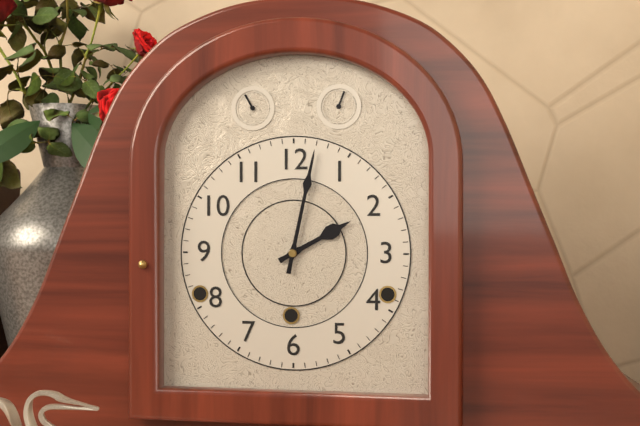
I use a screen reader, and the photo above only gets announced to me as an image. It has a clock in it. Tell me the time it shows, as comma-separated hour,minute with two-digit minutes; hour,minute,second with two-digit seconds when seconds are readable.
2,02
